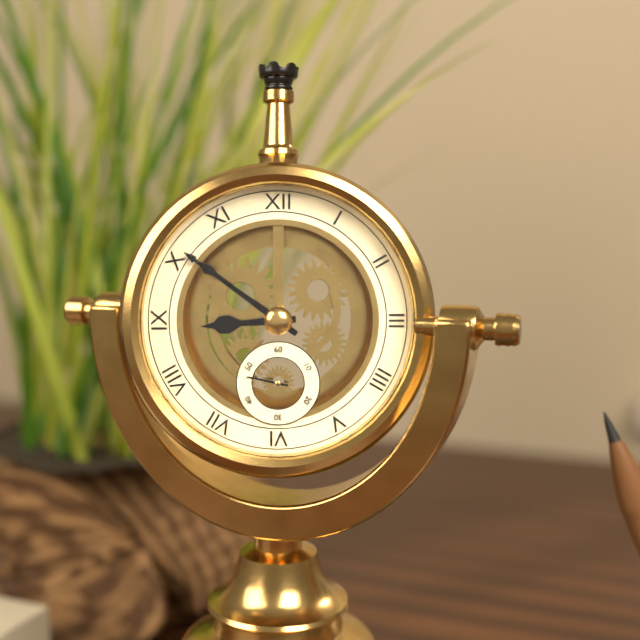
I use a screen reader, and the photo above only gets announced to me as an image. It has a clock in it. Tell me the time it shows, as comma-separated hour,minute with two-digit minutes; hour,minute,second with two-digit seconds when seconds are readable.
8,51
